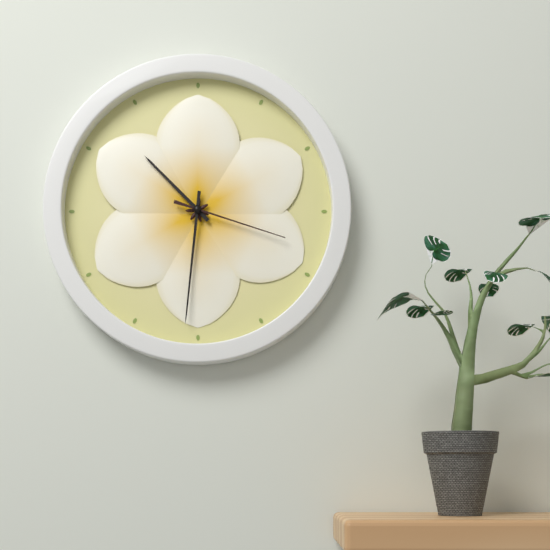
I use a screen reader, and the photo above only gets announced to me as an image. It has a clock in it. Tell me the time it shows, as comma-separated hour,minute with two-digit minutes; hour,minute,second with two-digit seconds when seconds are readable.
10,31,18
